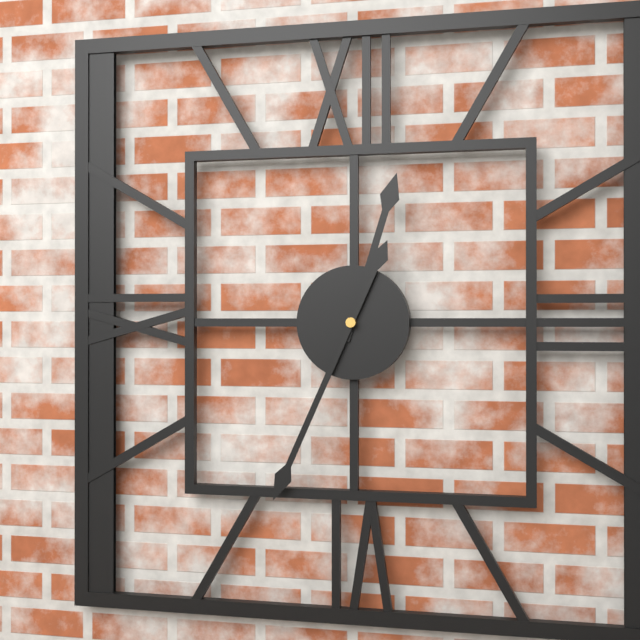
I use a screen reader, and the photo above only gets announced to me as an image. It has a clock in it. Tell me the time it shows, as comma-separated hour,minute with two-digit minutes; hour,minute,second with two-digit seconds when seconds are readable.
12,34
